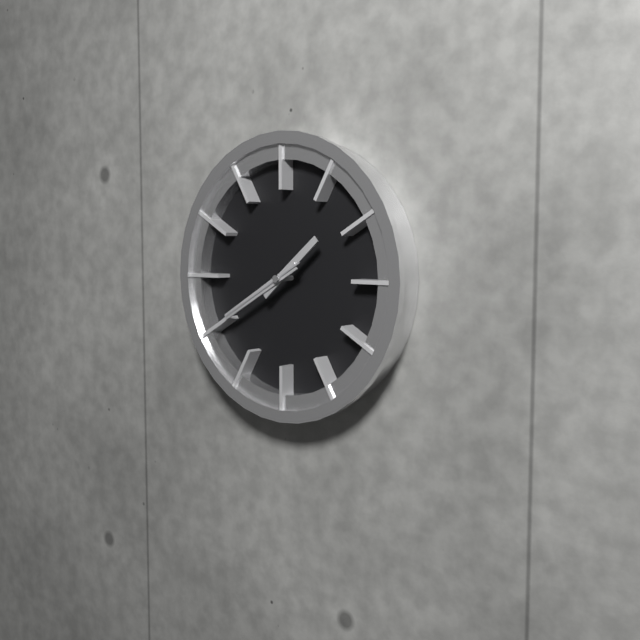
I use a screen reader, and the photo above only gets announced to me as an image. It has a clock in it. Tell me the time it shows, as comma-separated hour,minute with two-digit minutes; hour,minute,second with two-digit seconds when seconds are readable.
1,40,40
